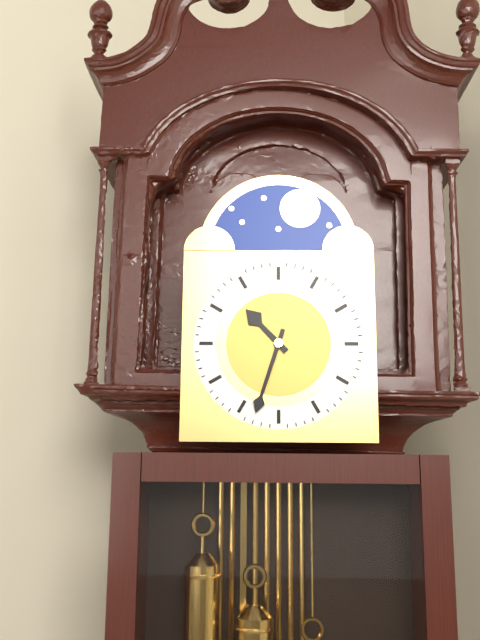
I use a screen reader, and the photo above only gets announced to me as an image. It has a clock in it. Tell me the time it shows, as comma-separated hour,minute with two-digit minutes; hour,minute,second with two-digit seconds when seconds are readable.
10,33
